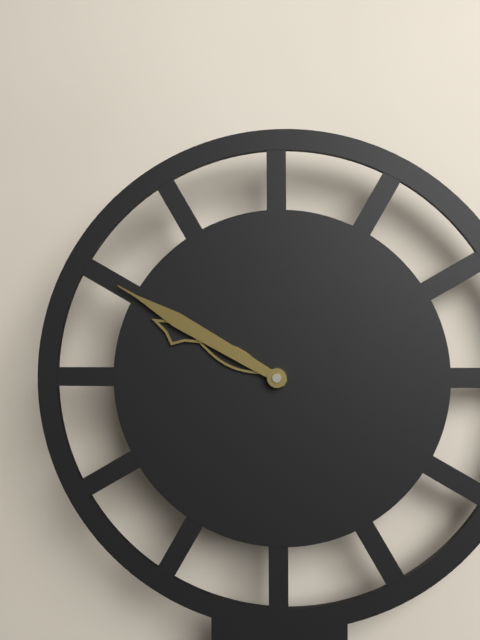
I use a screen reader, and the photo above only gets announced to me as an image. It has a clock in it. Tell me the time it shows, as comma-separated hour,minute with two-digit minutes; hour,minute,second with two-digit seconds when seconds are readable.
9,50
